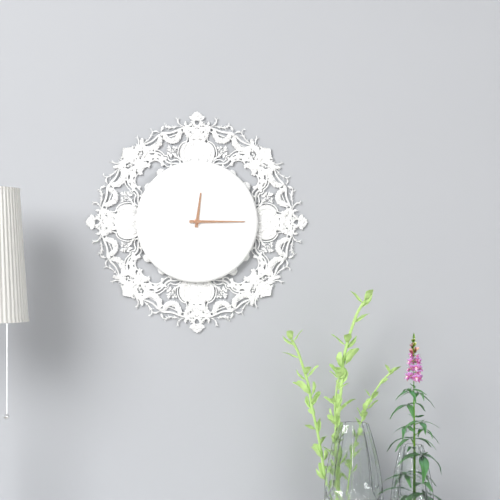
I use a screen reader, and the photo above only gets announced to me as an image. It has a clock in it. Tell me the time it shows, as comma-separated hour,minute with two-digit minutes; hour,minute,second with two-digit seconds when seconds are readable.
12,15
